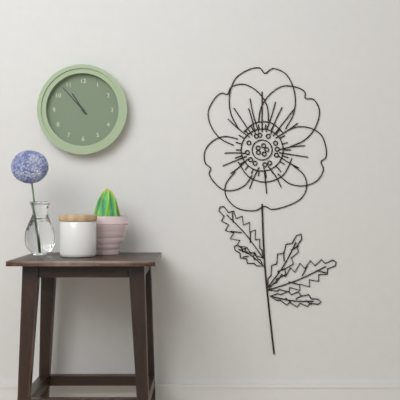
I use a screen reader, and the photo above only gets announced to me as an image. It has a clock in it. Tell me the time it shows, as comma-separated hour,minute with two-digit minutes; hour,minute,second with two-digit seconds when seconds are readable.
10,53
